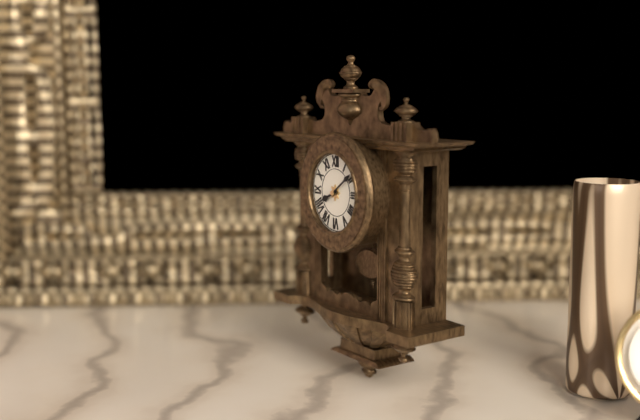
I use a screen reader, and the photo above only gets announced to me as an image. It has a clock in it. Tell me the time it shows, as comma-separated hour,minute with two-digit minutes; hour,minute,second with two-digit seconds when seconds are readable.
8,09
